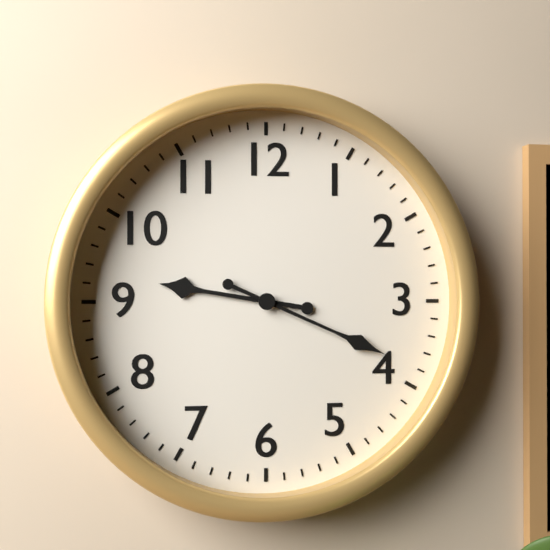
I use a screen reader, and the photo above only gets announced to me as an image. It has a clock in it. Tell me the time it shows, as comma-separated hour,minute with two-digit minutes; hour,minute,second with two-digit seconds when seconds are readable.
9,19
